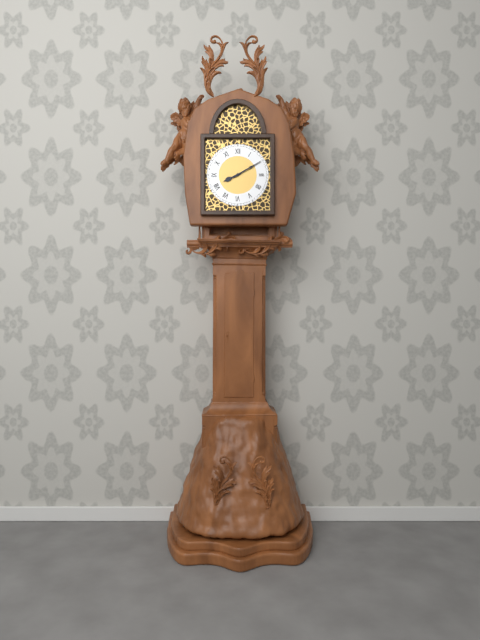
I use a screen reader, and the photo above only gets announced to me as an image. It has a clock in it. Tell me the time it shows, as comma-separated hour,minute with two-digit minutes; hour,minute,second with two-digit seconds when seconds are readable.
8,10
